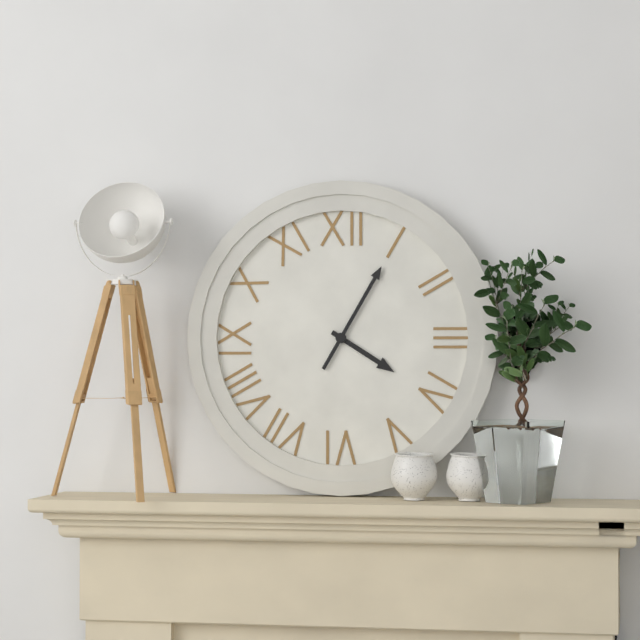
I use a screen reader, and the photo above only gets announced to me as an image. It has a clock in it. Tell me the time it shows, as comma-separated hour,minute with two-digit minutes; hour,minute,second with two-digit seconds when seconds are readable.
4,05
